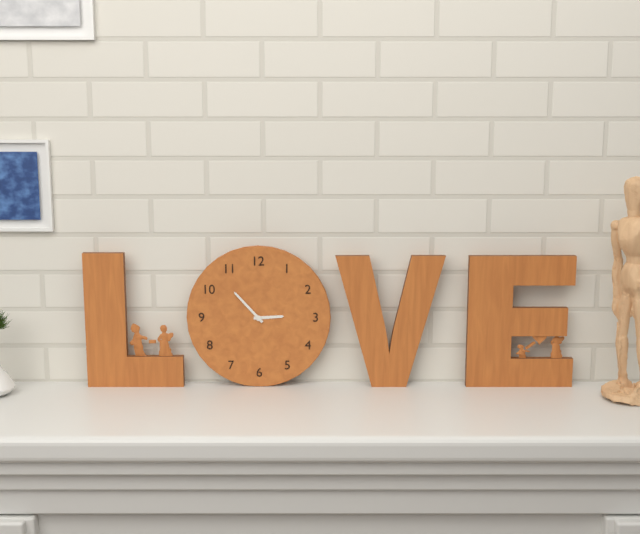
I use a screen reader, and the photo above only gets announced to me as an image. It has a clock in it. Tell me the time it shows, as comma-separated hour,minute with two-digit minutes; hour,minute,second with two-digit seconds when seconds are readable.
2,53
